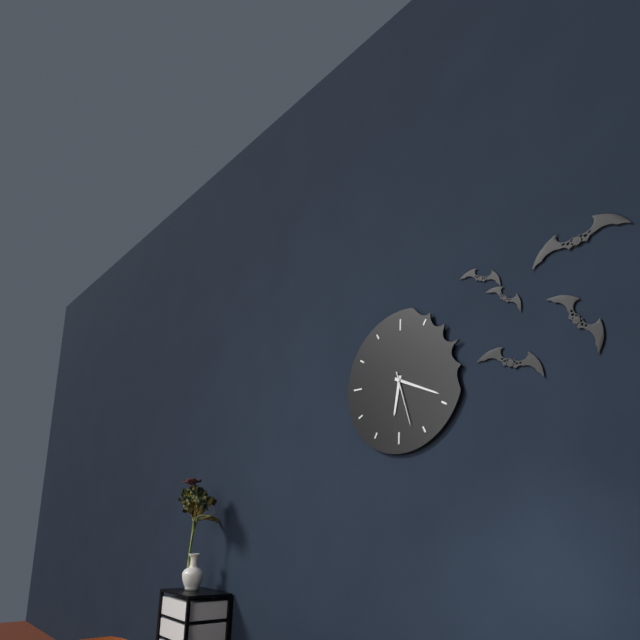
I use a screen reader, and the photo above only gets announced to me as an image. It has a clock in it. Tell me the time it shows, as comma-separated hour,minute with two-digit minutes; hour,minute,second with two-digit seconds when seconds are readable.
6,19,27
